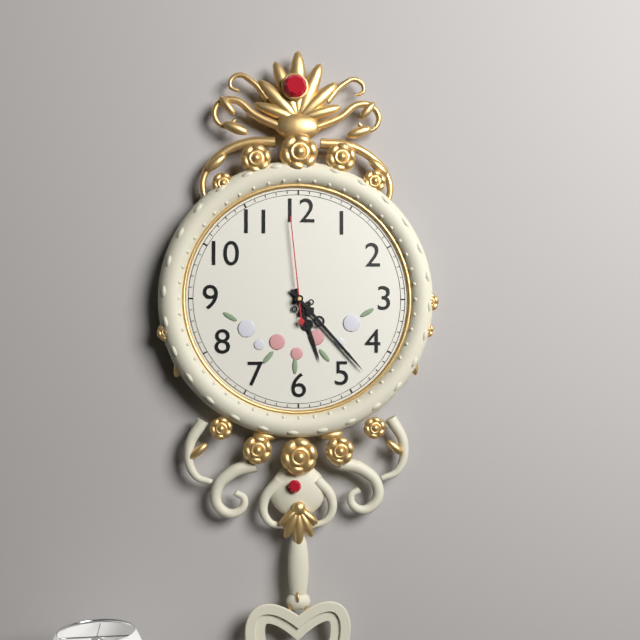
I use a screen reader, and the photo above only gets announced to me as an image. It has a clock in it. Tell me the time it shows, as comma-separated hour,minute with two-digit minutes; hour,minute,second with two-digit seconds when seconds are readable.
5,23,59
